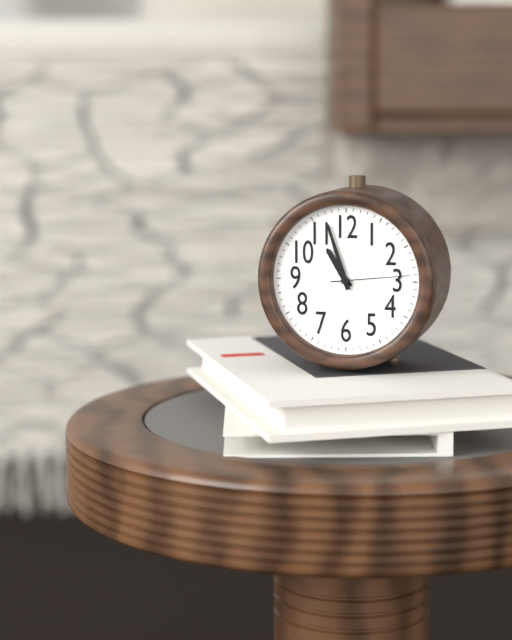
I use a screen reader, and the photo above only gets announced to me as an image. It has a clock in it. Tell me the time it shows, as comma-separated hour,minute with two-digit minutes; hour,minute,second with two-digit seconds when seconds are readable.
10,57,14
